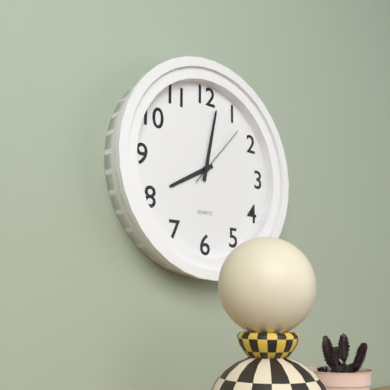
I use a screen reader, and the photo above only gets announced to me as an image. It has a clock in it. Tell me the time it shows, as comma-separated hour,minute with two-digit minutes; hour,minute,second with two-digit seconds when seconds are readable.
8,02,07
